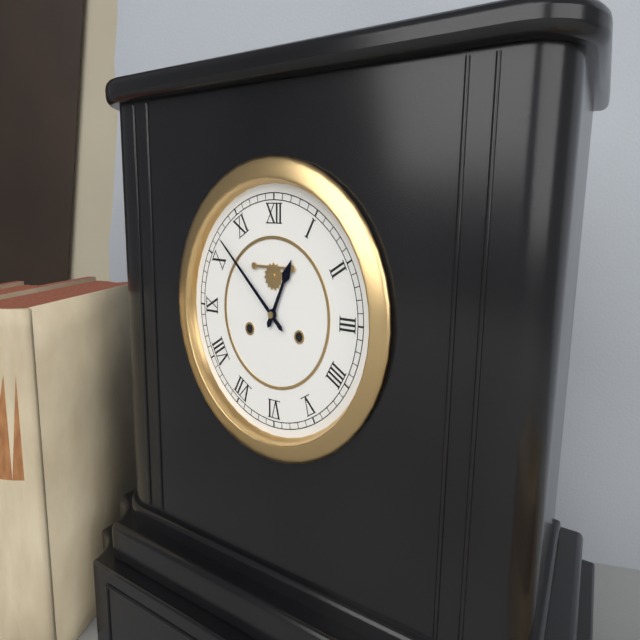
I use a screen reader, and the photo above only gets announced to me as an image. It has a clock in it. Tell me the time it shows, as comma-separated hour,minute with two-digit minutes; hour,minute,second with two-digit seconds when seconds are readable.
12,52
